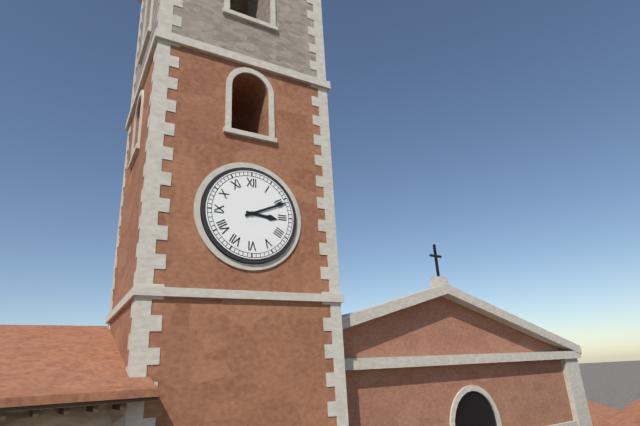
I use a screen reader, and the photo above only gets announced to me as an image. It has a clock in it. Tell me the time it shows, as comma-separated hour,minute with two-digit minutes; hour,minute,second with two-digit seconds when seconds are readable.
3,11
